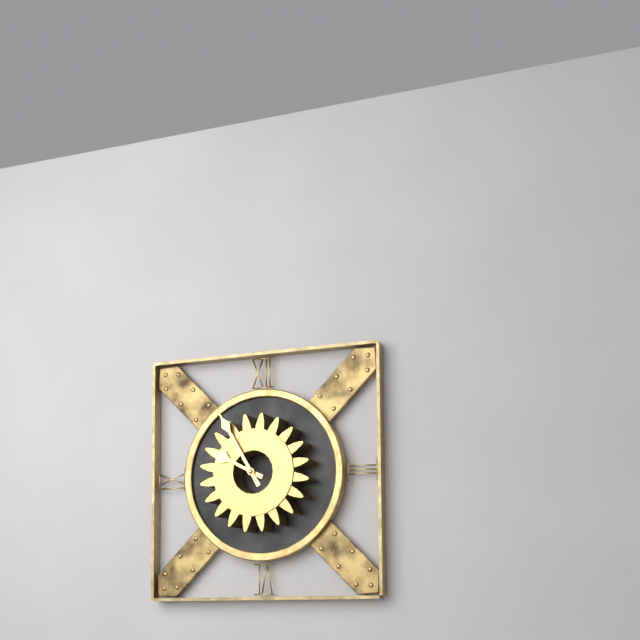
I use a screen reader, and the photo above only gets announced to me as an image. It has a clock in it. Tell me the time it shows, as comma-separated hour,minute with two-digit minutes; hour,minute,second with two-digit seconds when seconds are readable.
9,55
